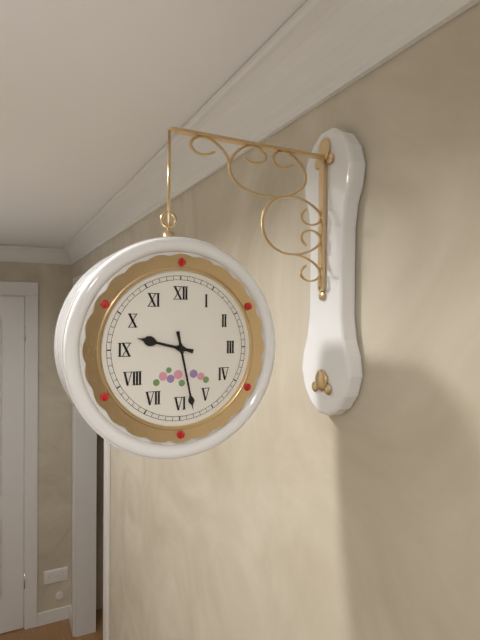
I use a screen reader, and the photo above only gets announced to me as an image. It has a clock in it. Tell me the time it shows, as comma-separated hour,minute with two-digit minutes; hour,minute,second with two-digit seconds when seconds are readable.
9,28
